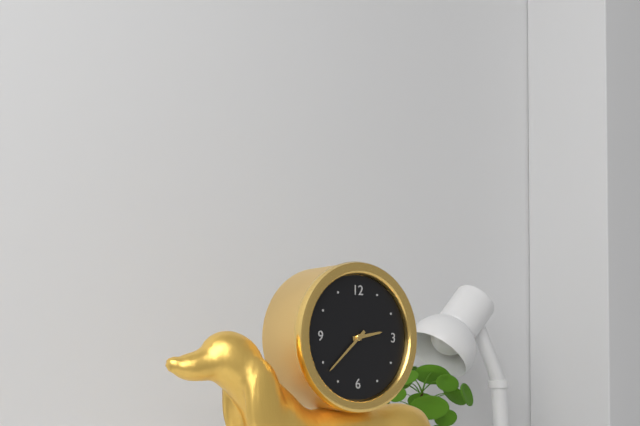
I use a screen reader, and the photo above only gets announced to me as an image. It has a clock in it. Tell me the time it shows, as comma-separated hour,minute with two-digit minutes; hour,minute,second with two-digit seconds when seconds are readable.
2,38
